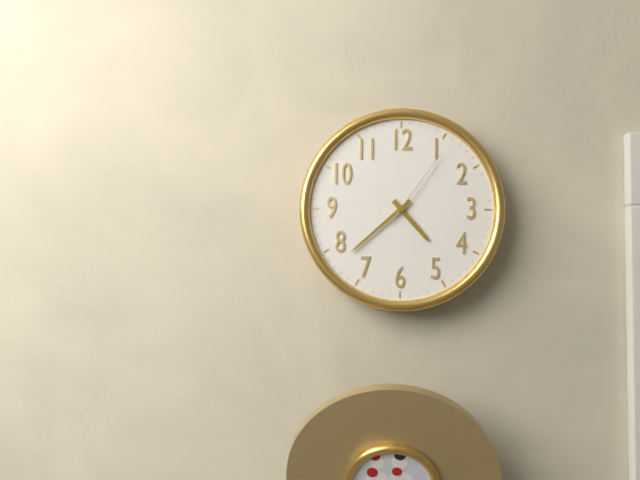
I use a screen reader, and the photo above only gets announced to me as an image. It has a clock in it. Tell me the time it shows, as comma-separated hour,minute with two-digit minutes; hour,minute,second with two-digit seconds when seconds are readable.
4,38,06
